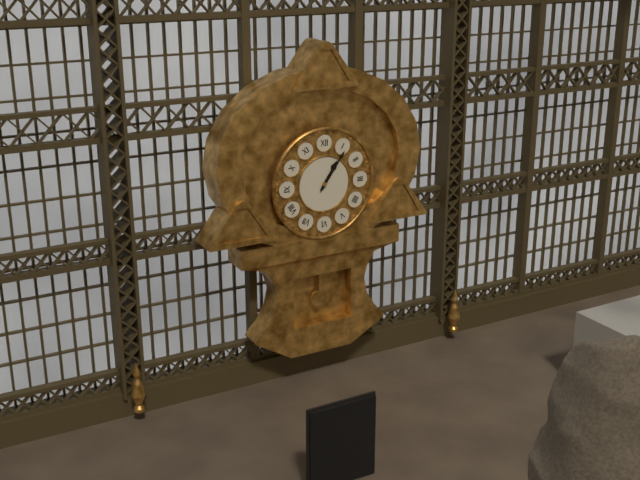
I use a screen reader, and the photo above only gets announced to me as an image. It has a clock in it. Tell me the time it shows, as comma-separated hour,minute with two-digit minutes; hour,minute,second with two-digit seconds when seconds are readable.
1,06
